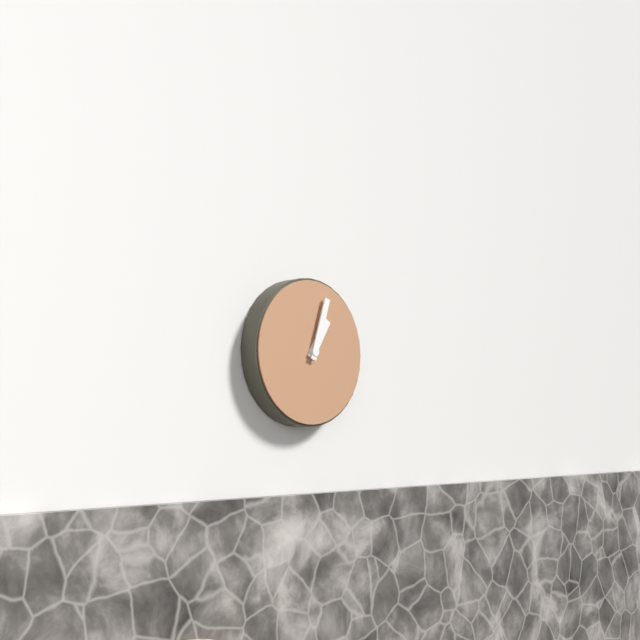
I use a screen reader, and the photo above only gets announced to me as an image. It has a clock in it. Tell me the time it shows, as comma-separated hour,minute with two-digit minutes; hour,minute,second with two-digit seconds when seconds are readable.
1,03
